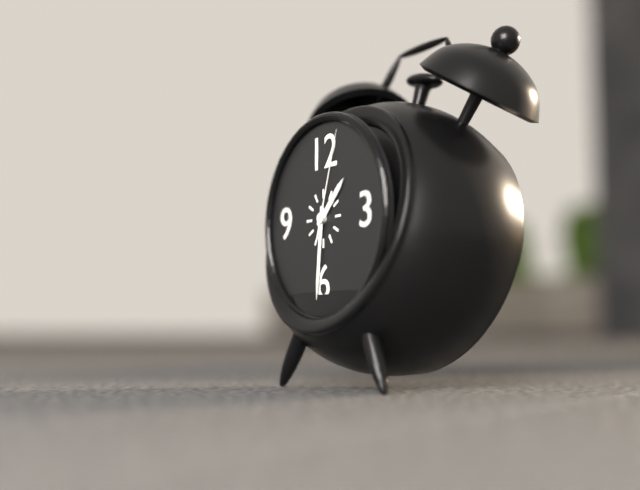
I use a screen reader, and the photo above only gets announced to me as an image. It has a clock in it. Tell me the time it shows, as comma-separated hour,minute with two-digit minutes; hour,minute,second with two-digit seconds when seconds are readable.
1,31,03
